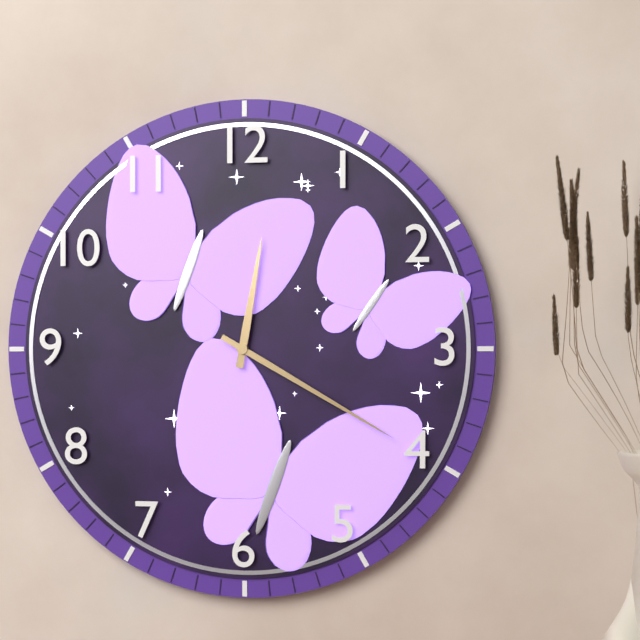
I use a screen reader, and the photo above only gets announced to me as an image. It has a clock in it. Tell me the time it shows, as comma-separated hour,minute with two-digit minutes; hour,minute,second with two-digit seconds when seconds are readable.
12,20
